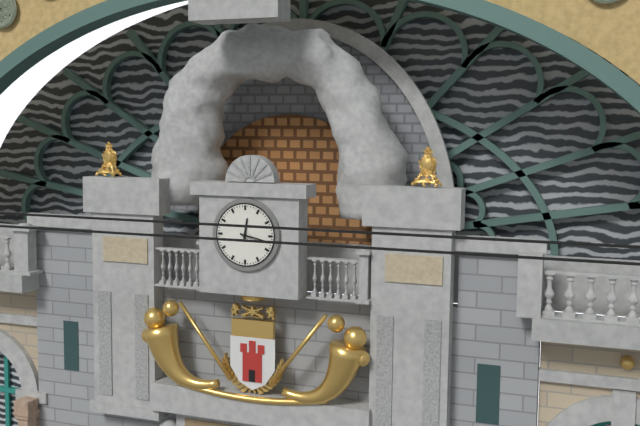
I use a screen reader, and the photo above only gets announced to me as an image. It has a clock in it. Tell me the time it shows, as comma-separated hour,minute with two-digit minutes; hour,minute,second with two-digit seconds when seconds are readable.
12,17
